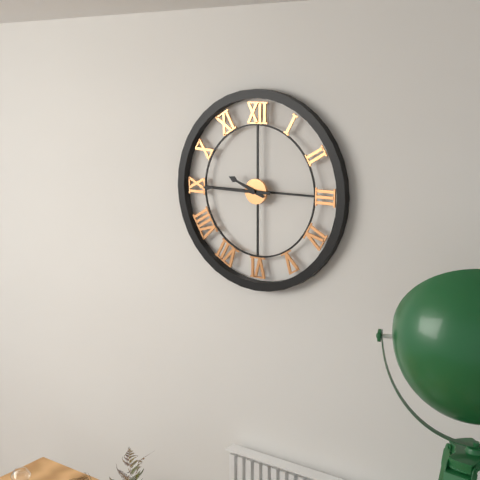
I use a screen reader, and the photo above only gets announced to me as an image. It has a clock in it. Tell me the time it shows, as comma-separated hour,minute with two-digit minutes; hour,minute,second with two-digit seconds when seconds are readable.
9,45
